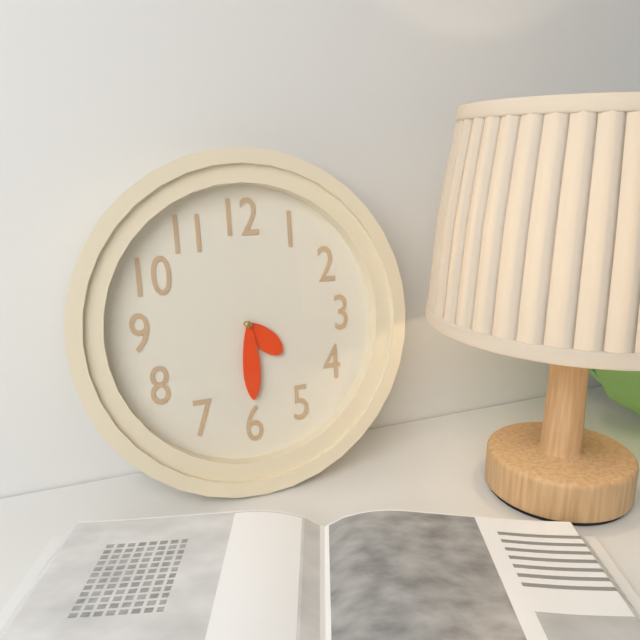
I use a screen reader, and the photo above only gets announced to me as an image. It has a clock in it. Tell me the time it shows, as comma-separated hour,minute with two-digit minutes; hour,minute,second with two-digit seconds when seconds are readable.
4,30
